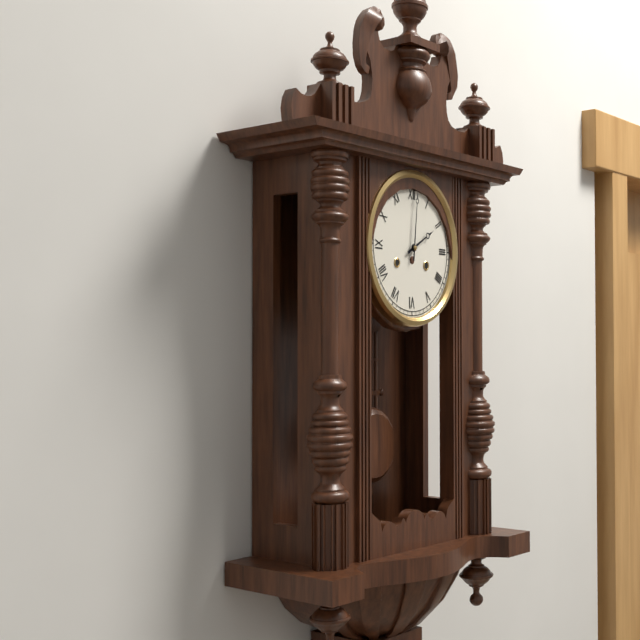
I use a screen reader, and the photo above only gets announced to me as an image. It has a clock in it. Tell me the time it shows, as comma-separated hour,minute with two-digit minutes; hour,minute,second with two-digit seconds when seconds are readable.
2,01
